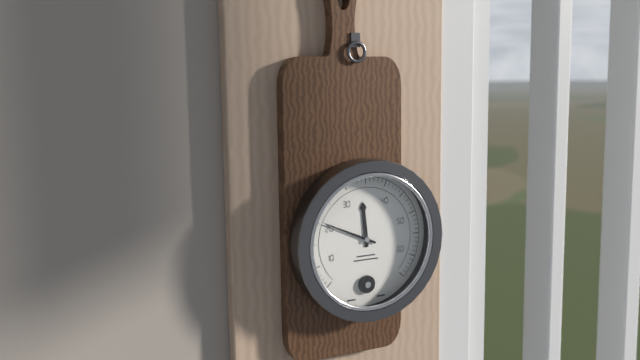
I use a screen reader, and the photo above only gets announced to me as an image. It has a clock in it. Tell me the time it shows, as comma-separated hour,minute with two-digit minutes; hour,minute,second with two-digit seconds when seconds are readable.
11,49
